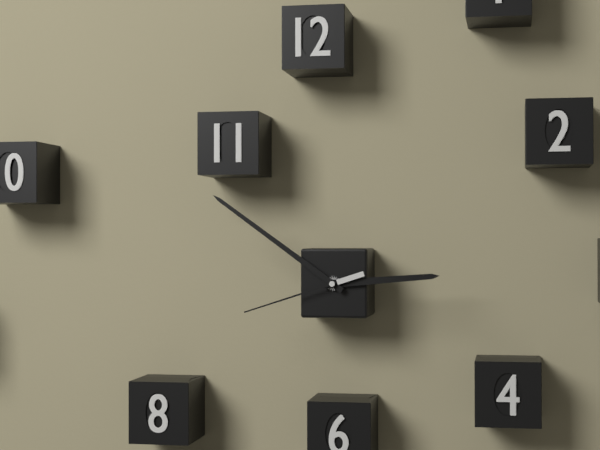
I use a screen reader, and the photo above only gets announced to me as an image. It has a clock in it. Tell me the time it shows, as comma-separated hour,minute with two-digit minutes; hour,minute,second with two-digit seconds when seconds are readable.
2,51,42
